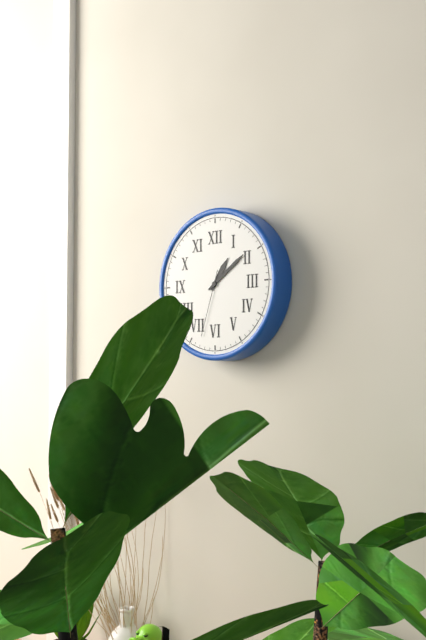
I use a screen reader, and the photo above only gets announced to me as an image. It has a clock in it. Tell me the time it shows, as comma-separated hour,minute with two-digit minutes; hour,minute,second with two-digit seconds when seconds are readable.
1,09,33
